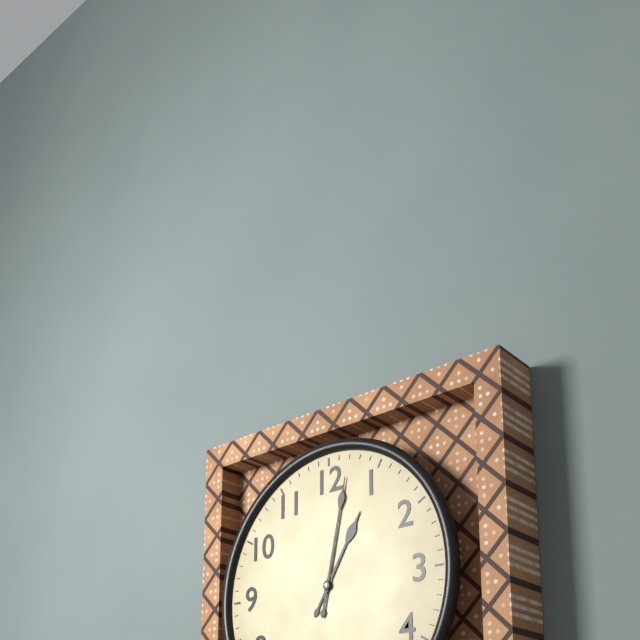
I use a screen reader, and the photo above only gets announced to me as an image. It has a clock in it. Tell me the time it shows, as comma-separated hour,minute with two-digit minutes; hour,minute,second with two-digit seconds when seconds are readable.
1,02
